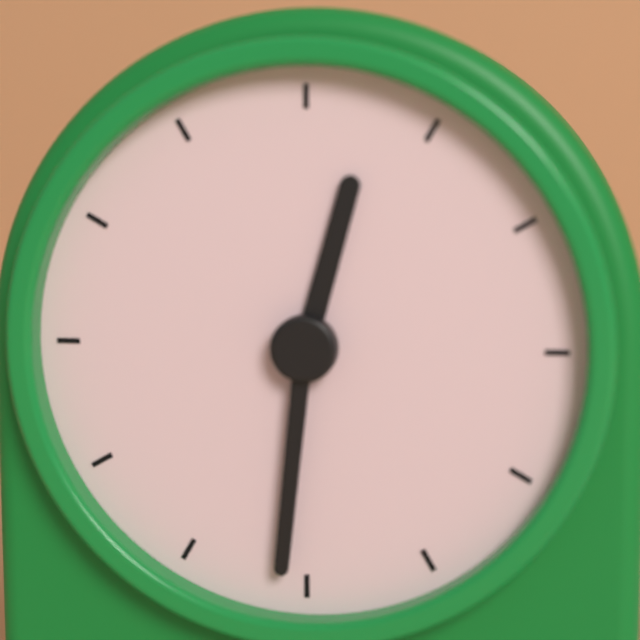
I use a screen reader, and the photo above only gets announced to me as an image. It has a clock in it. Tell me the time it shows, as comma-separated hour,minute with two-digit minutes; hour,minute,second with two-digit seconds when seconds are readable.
12,31
